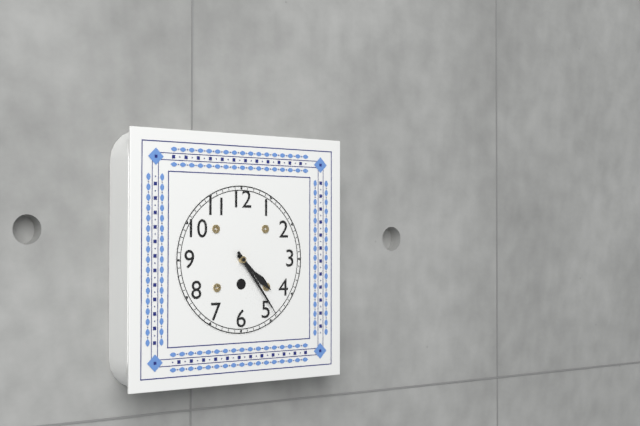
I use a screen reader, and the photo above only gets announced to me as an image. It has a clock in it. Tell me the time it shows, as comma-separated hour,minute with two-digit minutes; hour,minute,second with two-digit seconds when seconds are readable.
4,24
